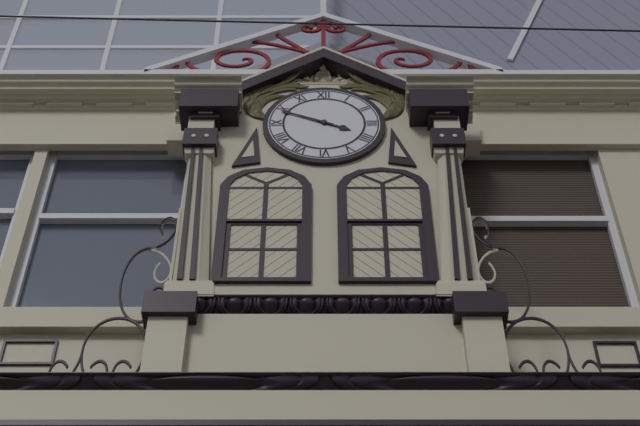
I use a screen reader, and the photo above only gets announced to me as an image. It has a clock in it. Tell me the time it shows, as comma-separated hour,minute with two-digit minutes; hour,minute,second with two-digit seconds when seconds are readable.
3,49
